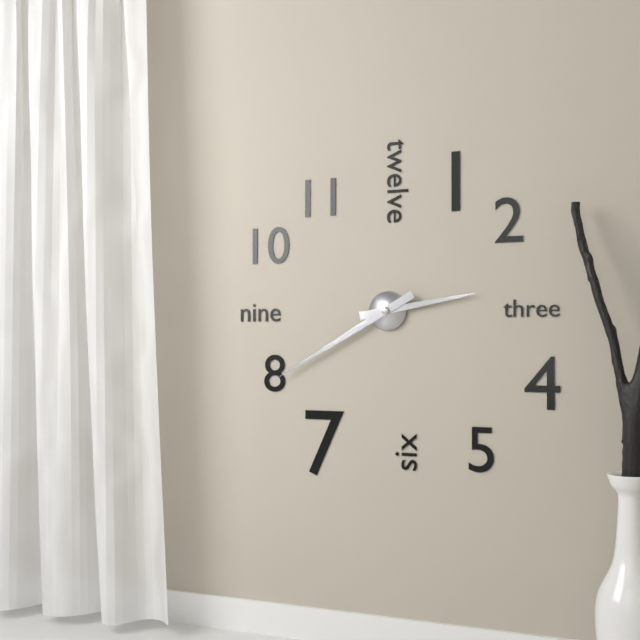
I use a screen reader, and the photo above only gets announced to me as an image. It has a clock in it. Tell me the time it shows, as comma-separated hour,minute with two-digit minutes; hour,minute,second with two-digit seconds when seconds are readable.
2,40
